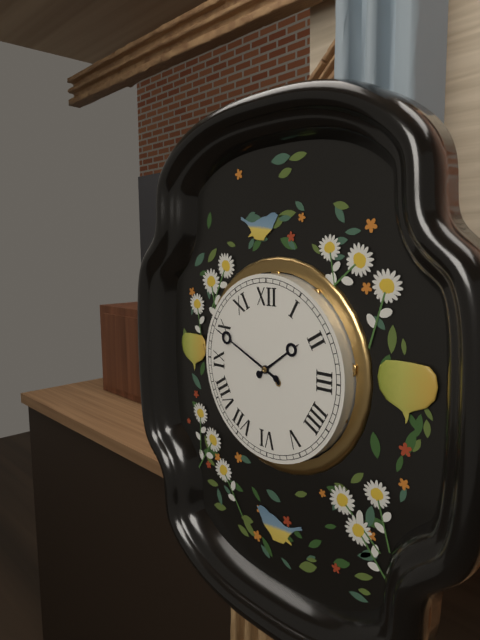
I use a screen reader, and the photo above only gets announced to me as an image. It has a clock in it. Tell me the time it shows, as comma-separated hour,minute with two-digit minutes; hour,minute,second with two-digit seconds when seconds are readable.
1,49
